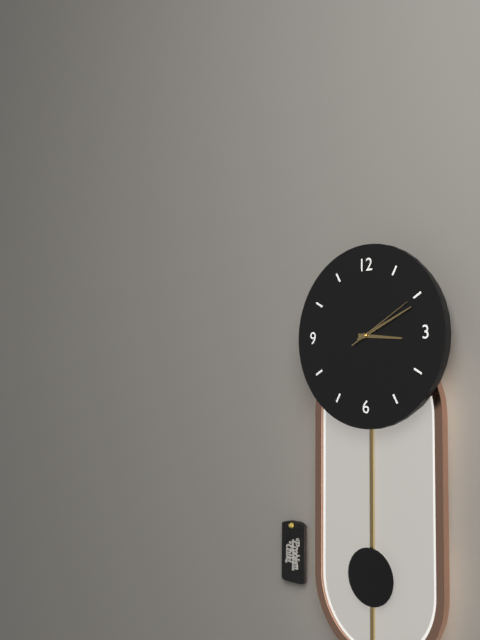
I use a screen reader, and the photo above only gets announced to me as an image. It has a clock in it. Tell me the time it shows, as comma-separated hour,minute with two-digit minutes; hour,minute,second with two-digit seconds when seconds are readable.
3,11,10
